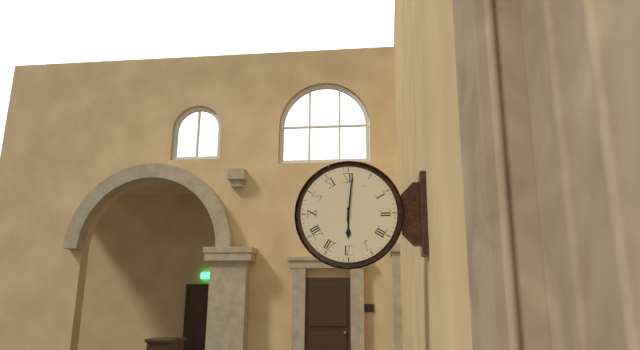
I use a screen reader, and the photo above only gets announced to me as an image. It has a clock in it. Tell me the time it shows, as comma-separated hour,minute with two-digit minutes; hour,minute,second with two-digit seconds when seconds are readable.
6,01
